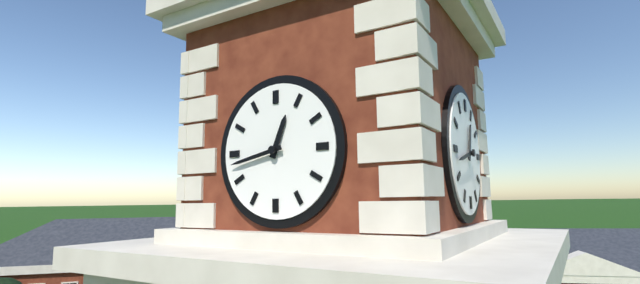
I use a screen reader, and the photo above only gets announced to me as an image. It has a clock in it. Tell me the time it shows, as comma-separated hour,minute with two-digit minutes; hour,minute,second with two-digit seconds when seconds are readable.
12,43
